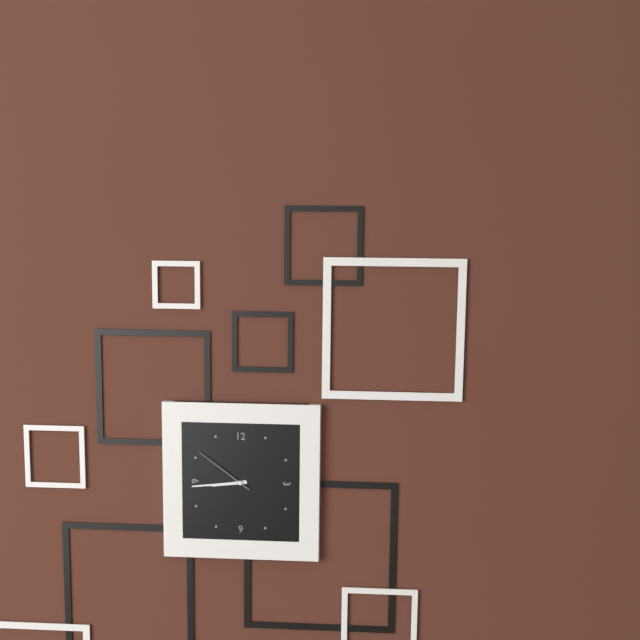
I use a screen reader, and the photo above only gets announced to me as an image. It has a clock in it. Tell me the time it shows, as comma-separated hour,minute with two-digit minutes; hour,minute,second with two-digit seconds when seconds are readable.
8,44,51
